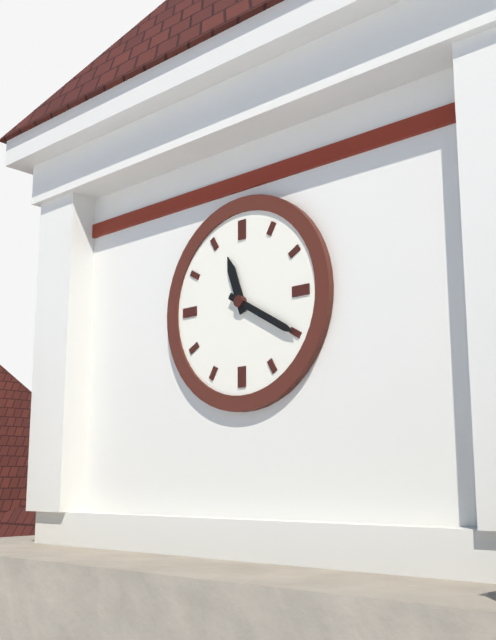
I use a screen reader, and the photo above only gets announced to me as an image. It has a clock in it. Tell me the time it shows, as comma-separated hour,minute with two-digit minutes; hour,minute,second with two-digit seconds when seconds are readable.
11,20
